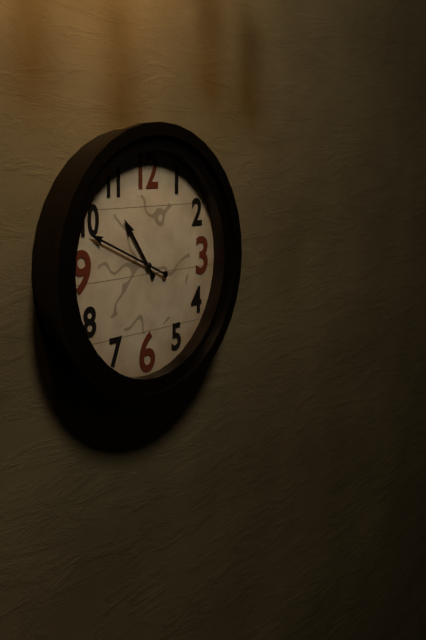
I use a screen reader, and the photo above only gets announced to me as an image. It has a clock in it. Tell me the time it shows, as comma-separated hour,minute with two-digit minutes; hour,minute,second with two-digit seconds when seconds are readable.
10,49
